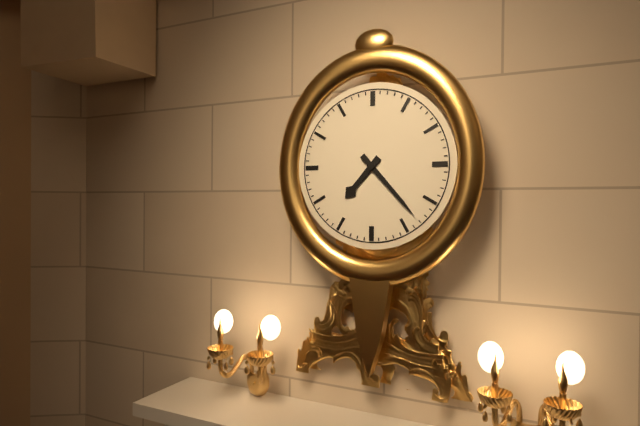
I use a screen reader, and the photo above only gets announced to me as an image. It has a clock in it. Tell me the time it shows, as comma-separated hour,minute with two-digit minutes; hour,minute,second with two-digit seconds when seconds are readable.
7,23
